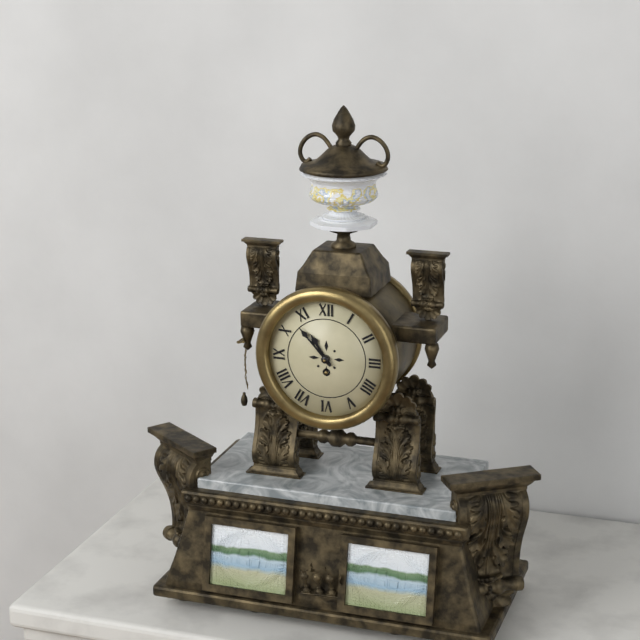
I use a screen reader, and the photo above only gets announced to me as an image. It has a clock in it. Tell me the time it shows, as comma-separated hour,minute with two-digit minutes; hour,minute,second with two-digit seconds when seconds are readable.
10,53
